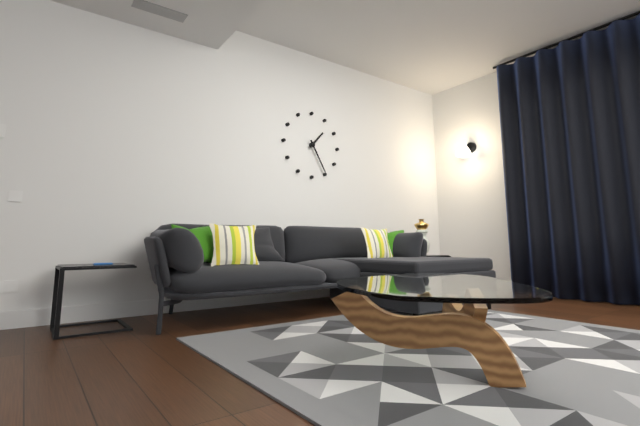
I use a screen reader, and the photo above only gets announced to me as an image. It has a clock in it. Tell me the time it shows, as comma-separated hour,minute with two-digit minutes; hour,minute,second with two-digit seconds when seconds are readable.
1,25
